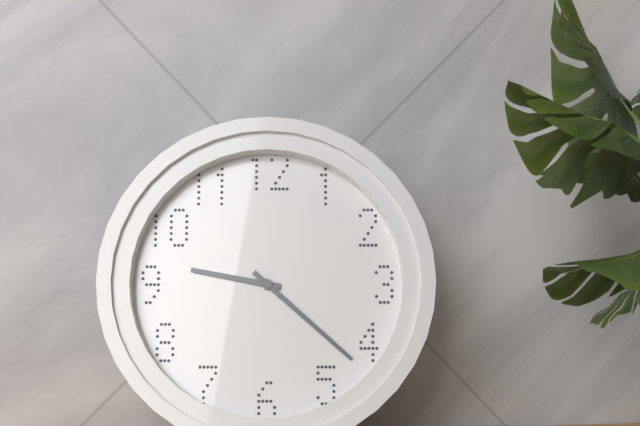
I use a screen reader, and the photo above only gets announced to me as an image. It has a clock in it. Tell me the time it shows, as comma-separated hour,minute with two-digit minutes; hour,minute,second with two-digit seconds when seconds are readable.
9,22
